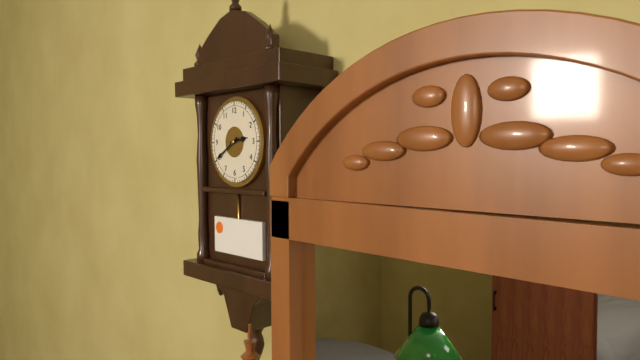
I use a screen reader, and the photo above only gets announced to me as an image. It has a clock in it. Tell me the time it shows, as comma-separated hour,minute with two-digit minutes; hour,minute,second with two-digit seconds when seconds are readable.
2,40
